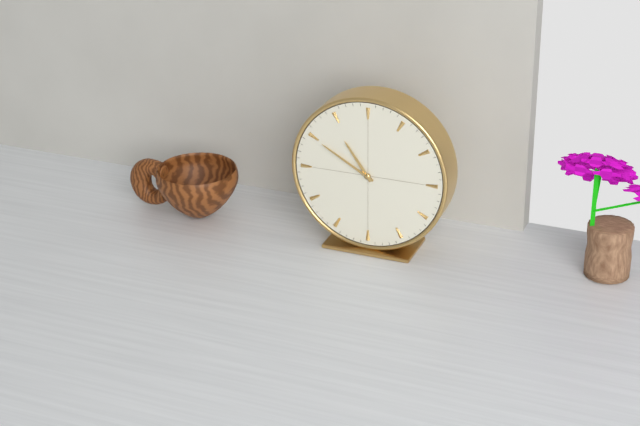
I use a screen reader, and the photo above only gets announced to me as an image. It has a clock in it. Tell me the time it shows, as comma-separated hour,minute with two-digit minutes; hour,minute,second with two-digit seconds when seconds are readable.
10,50
